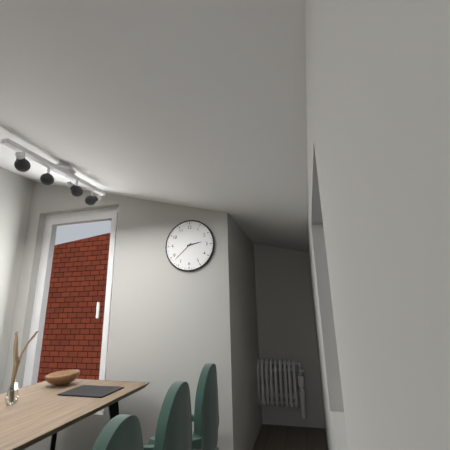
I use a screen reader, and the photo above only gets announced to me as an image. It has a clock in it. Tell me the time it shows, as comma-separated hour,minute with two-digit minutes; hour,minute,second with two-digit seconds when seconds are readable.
2,38
